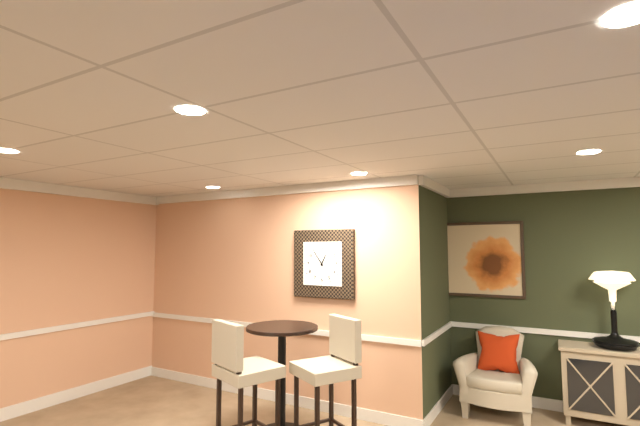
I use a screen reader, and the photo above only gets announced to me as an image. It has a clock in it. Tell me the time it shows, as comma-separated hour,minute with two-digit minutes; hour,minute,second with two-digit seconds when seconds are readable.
12,54
